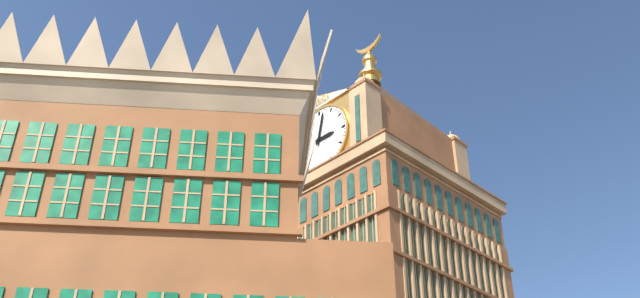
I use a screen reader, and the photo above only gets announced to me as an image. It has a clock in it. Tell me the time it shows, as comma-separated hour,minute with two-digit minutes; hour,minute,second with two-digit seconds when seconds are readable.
3,02
